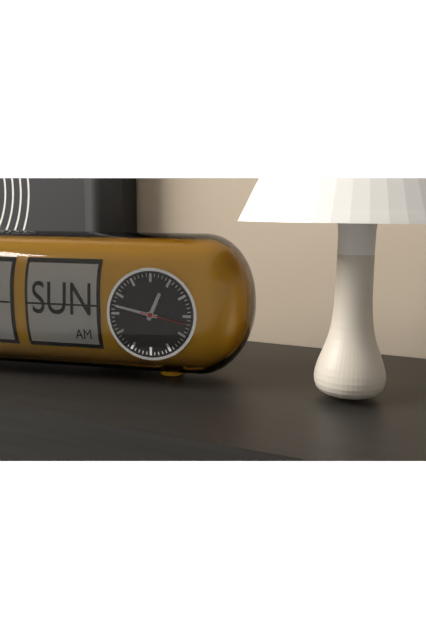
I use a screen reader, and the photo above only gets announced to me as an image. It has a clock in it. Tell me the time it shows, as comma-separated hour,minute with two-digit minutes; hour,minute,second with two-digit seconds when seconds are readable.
12,47
